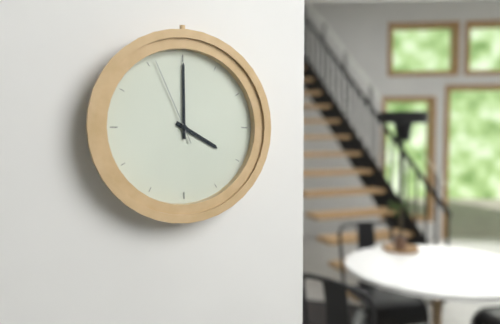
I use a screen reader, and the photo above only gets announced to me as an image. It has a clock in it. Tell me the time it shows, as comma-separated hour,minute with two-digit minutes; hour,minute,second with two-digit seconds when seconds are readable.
4,00,56
